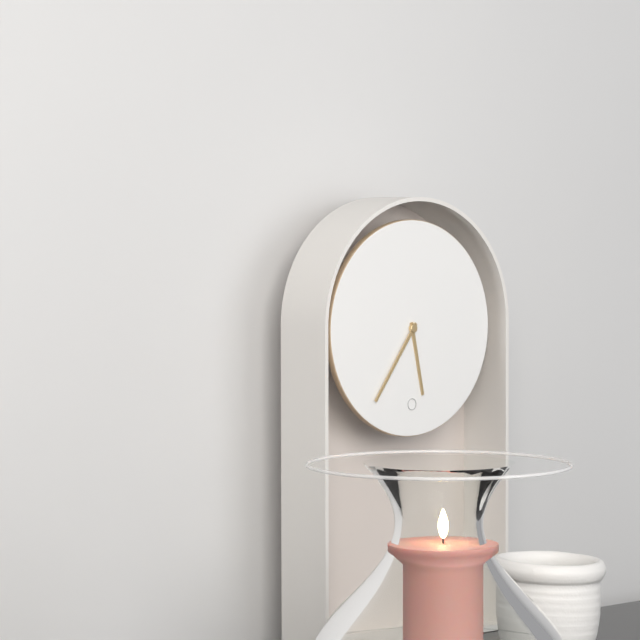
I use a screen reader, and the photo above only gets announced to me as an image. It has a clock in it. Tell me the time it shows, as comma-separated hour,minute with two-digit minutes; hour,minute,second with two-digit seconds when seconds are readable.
5,36
